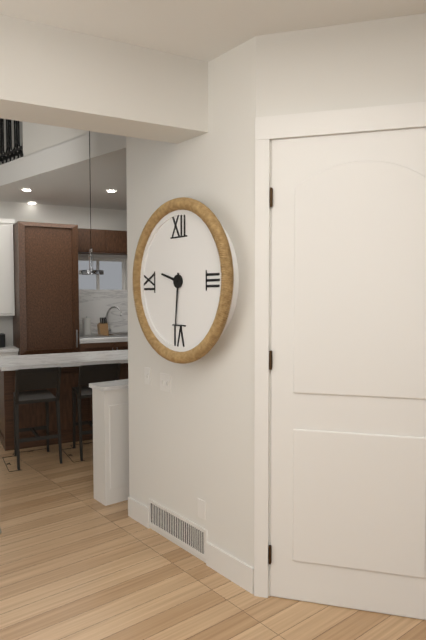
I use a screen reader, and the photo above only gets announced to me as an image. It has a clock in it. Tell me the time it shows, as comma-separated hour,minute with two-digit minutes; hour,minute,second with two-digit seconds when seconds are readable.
9,31
